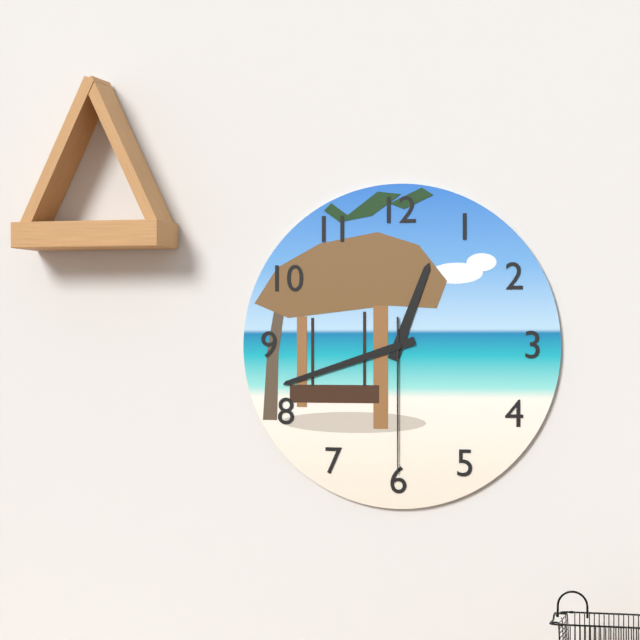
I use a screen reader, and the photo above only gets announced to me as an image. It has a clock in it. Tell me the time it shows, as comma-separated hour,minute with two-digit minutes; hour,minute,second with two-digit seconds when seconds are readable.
12,42,30
